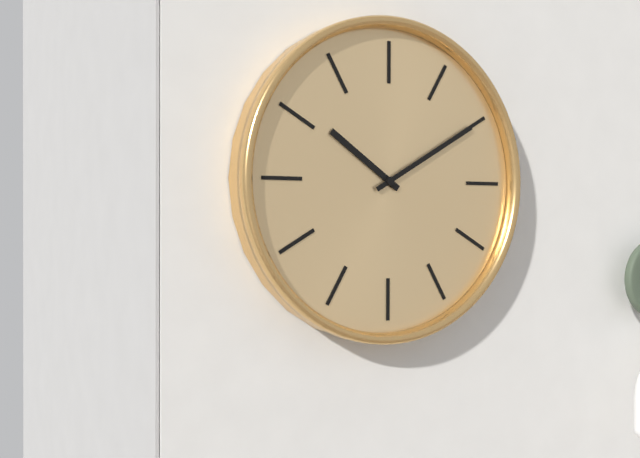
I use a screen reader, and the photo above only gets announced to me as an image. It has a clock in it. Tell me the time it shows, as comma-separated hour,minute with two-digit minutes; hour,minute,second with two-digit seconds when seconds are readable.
10,10
